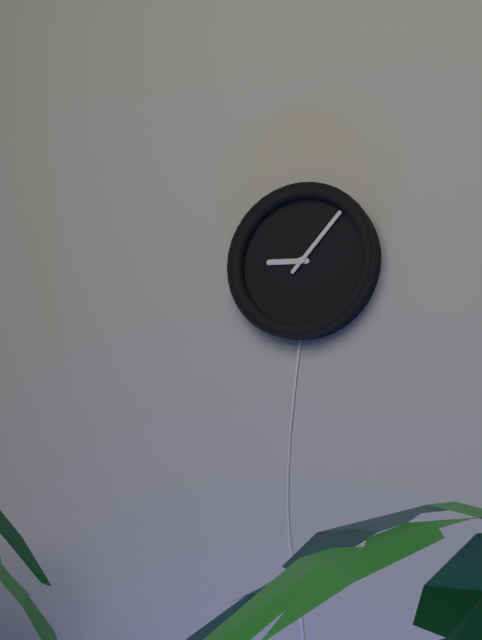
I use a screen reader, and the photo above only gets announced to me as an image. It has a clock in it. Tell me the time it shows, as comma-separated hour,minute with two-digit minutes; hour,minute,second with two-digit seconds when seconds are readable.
9,07
